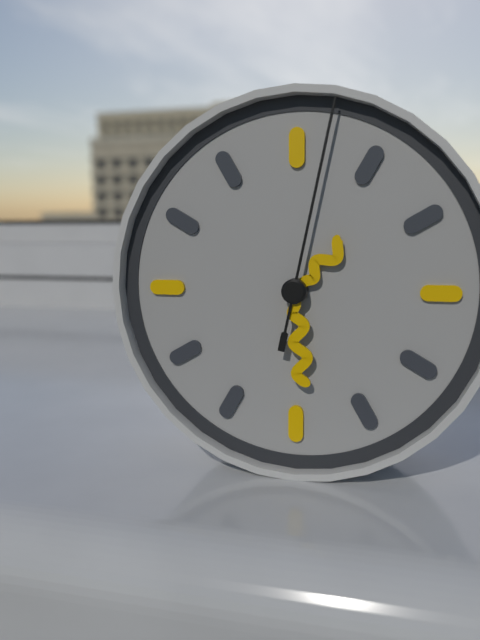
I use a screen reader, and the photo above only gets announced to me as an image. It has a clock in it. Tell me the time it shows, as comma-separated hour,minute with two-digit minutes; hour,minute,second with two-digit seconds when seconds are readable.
1,29,02
